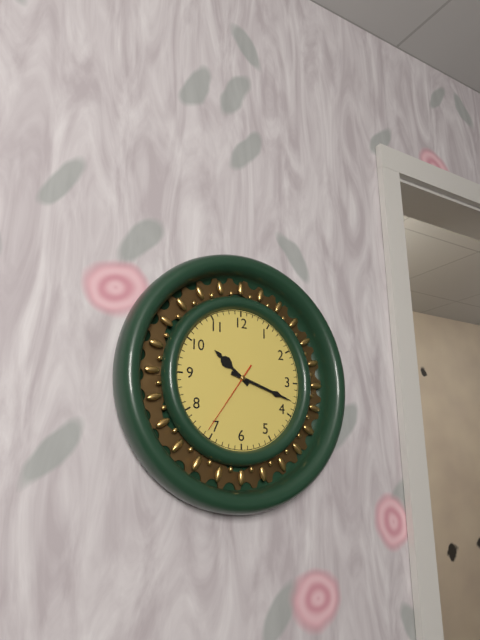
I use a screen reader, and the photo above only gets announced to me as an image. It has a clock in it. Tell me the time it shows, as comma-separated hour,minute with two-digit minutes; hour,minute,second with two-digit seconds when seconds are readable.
10,18,36
